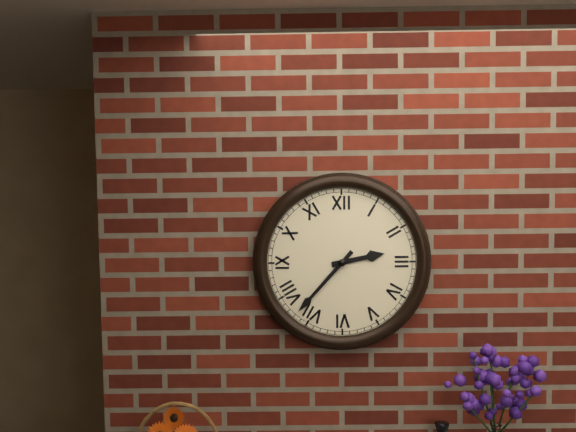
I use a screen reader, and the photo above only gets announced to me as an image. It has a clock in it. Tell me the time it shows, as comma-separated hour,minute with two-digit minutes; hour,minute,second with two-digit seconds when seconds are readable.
2,37
